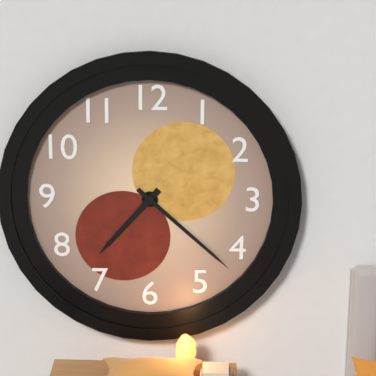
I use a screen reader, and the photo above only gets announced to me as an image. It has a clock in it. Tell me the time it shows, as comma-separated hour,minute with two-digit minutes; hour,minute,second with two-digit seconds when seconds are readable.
7,22
